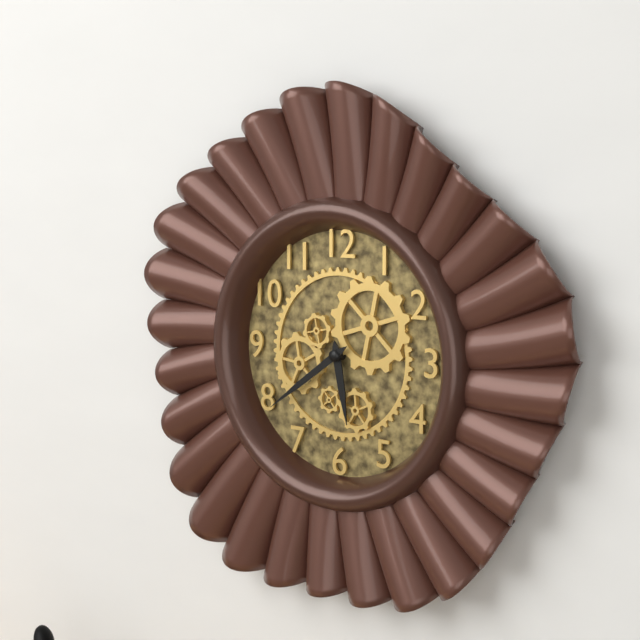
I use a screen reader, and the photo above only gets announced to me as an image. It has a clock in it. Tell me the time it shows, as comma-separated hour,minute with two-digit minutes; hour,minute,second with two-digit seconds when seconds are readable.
5,39
